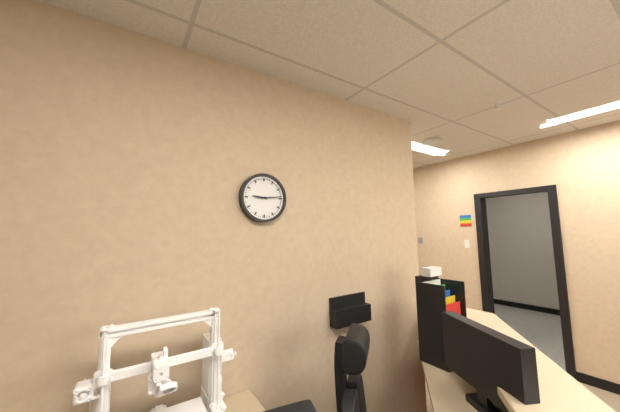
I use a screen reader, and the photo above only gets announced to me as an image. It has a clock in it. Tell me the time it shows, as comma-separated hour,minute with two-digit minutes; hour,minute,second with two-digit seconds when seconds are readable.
9,14
